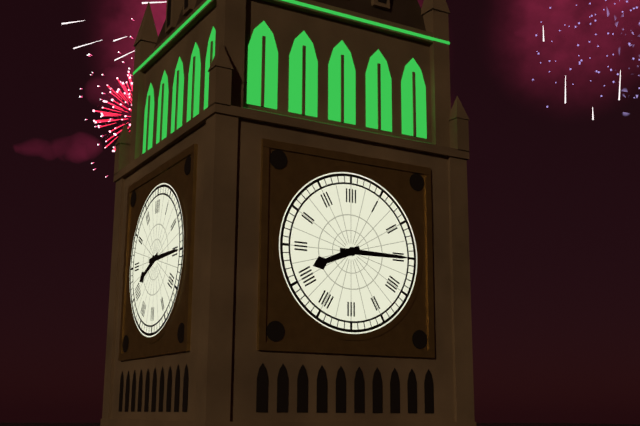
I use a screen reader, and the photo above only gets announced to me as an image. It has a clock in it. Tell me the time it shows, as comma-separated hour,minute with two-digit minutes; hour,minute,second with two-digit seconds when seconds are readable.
8,15
